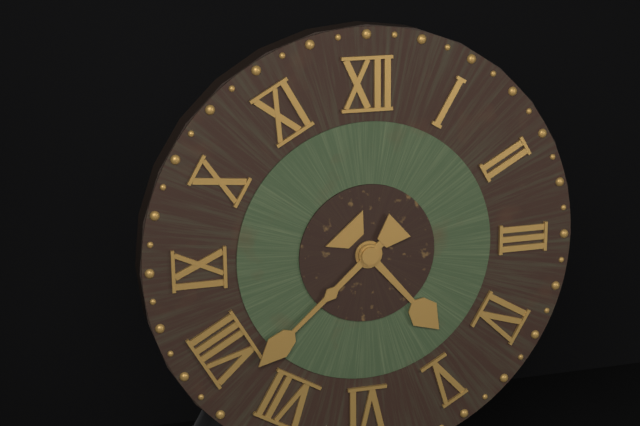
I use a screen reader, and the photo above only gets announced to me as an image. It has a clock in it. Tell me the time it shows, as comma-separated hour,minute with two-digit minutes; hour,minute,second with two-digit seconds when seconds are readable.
4,38
